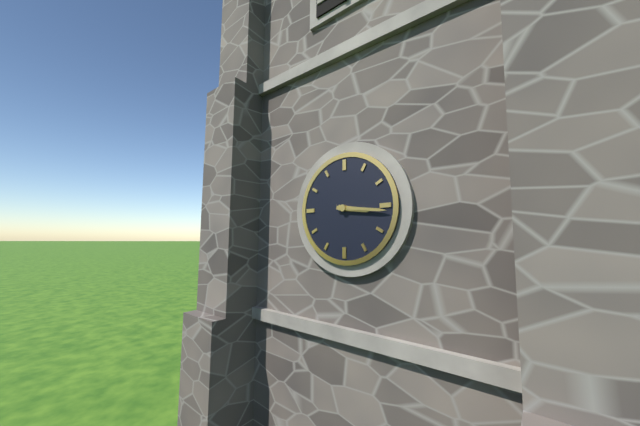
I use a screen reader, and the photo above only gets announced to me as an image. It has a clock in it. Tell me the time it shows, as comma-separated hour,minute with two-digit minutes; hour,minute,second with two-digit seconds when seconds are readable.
3,16
